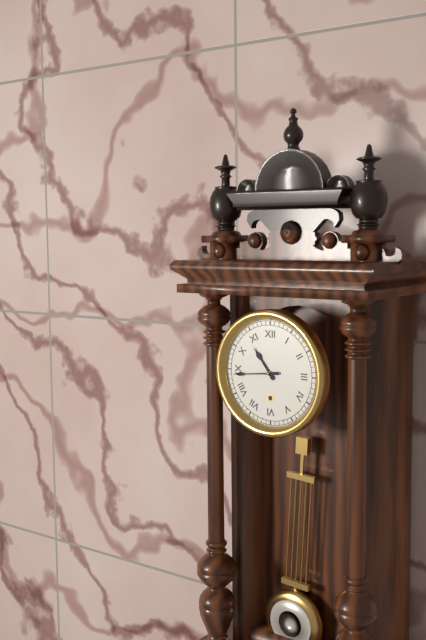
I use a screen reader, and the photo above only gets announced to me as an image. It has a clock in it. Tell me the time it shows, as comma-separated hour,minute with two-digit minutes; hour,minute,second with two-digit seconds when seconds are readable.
10,44
